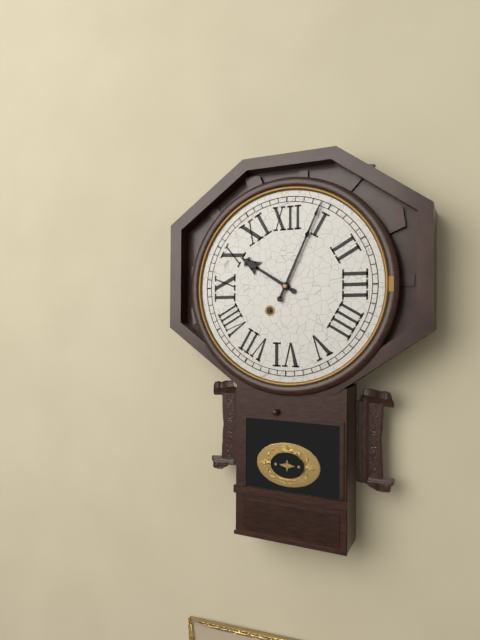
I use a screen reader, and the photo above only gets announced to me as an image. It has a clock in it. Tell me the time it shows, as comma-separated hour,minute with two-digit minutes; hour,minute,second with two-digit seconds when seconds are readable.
10,04
